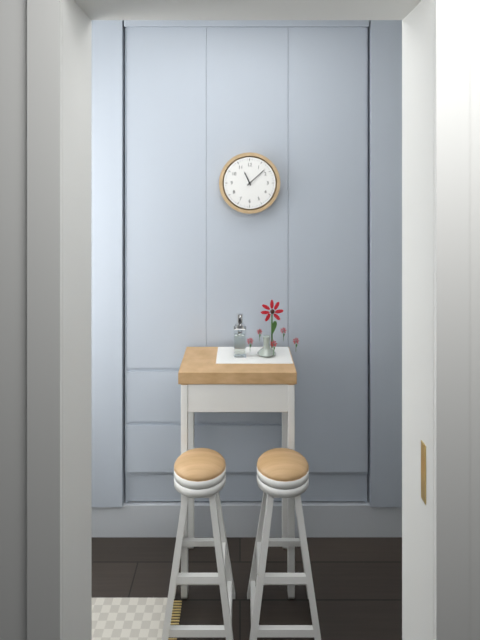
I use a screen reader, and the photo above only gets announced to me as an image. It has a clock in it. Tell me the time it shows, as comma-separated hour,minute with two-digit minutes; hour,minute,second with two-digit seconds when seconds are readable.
11,08
